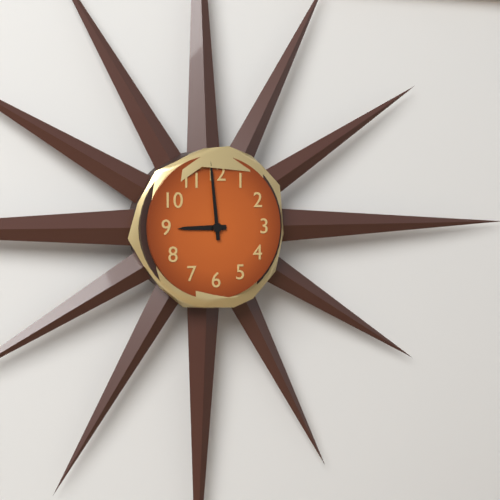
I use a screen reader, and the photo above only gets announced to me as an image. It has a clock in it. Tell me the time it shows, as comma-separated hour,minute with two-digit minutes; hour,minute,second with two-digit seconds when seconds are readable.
8,59
